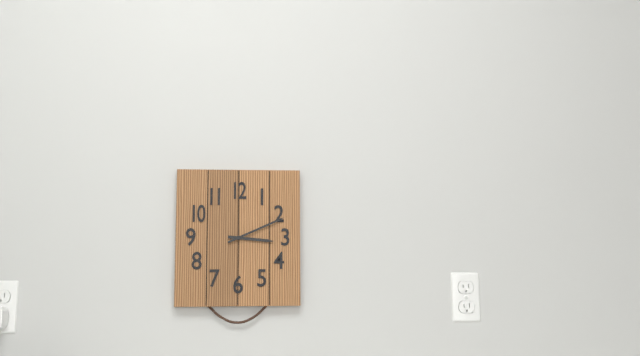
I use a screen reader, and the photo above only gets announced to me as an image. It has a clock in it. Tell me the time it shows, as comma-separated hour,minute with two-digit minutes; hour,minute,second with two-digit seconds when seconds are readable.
3,11
